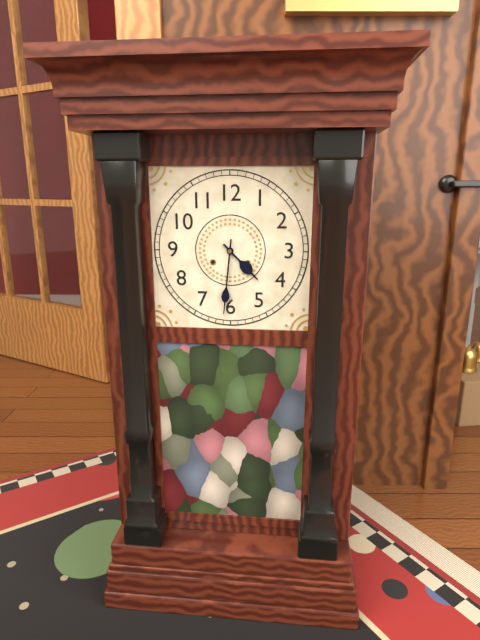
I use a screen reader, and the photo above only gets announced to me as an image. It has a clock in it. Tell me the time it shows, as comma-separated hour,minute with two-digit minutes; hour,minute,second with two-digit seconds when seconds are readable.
4,31
